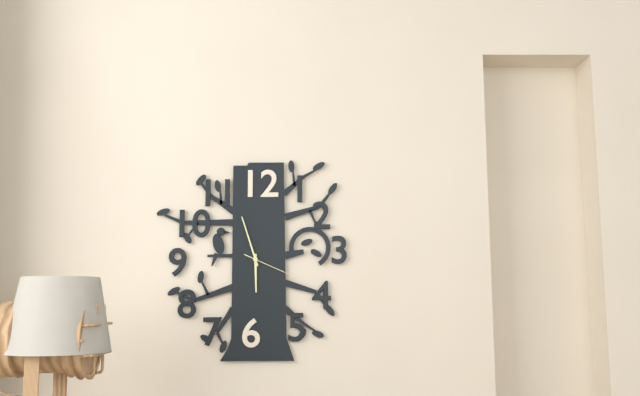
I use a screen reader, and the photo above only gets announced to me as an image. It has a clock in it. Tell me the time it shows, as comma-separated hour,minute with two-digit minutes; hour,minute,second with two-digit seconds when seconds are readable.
5,57,19
